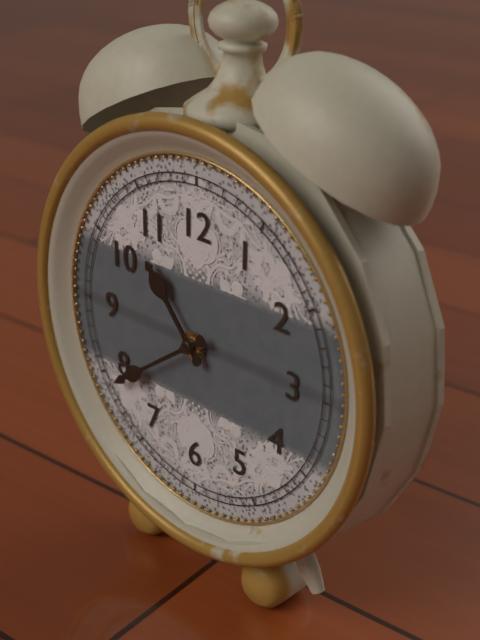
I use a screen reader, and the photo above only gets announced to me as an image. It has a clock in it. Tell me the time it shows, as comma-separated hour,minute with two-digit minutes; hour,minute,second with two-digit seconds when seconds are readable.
10,39
